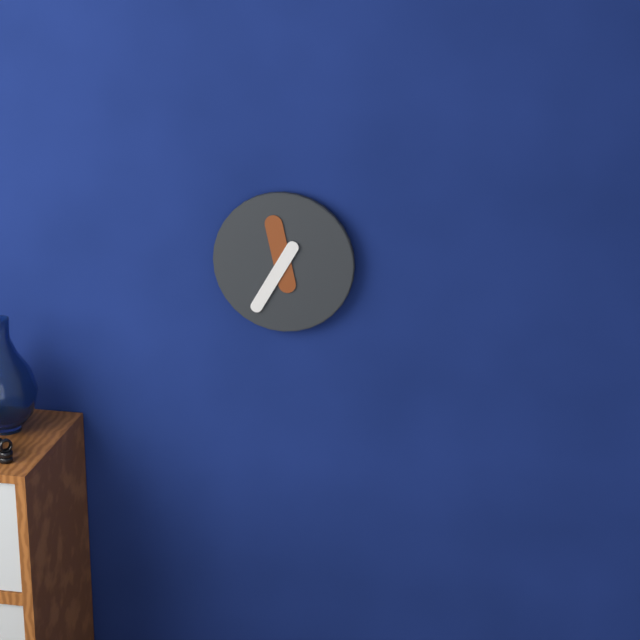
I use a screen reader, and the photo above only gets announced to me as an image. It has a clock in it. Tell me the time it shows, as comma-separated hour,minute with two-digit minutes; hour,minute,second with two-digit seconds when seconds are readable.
11,35
